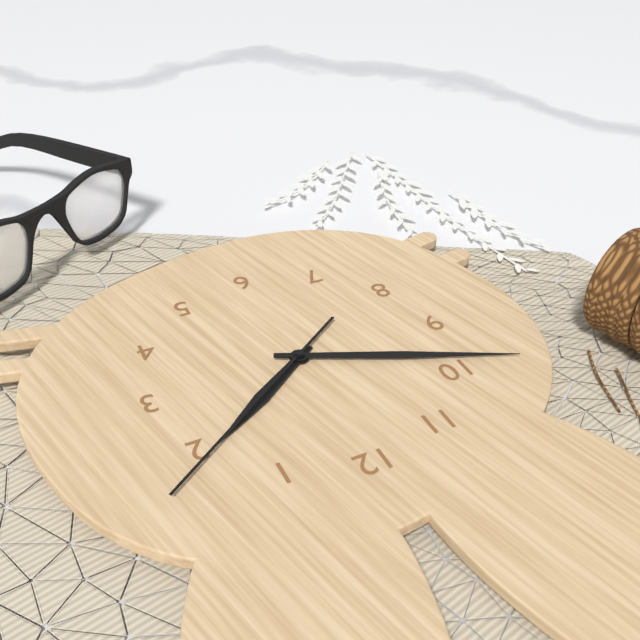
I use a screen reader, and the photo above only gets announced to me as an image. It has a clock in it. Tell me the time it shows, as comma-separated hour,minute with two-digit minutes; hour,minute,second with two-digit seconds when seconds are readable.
1,49,09
